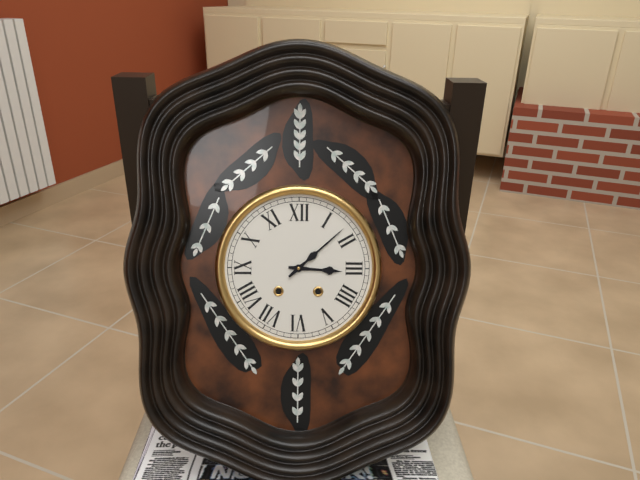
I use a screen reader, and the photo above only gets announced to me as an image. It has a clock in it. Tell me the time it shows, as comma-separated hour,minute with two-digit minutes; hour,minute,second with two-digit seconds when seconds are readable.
3,08
